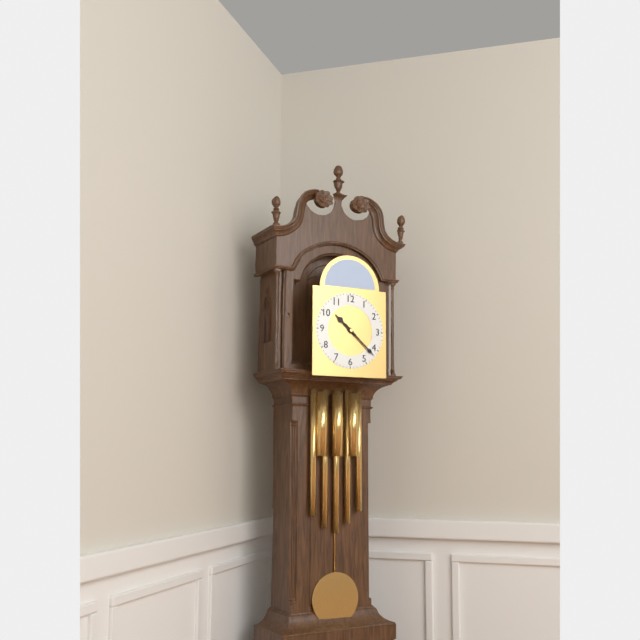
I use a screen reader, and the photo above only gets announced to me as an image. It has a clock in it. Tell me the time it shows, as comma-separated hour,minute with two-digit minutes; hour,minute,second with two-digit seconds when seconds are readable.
10,22
